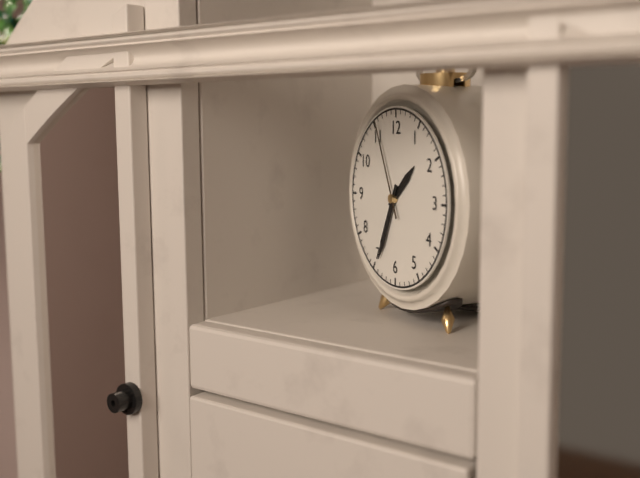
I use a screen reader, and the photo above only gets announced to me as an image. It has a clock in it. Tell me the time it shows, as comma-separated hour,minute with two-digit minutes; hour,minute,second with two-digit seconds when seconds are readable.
1,34,56
